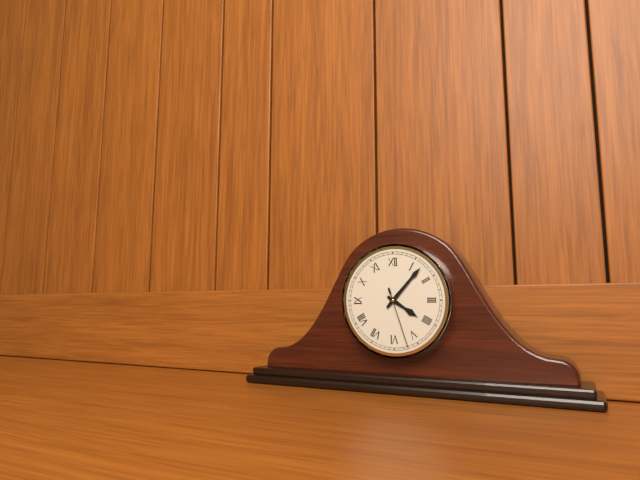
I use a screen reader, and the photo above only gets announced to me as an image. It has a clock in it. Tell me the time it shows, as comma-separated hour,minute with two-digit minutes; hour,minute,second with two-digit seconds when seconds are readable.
4,07,27
